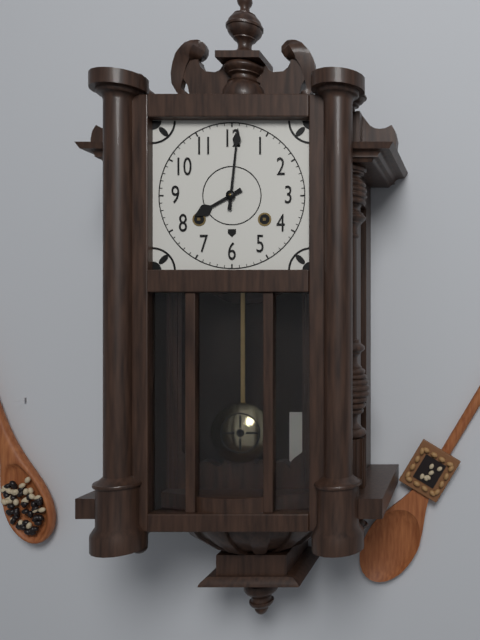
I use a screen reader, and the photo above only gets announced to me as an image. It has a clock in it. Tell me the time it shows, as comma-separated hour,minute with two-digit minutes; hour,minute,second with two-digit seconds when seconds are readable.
8,01
